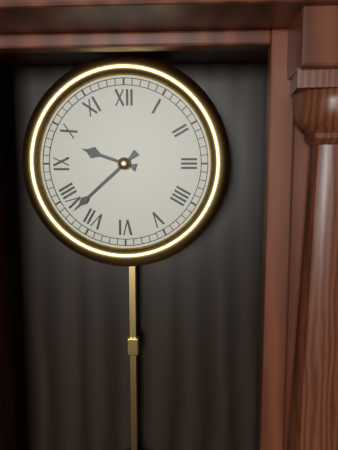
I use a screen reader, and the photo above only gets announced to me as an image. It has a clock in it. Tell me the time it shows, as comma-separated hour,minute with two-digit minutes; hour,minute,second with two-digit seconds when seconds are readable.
9,38
